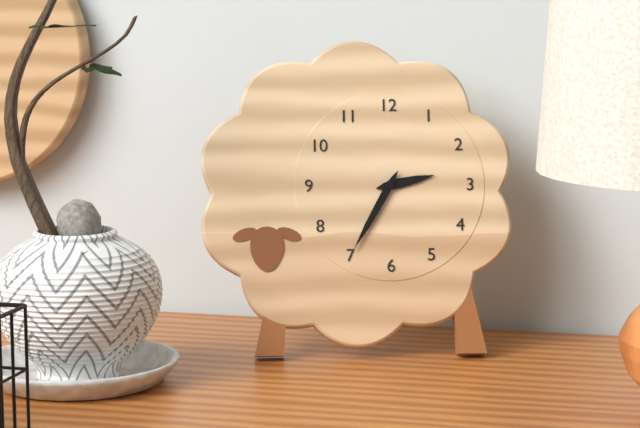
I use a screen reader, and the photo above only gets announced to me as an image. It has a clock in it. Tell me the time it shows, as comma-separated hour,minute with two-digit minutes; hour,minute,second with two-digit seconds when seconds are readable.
2,35
